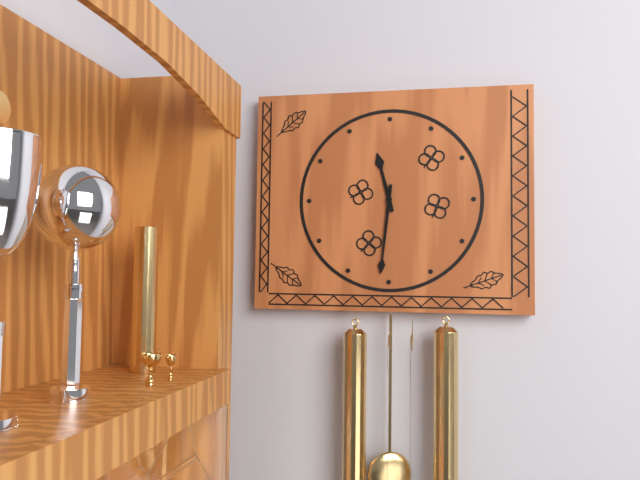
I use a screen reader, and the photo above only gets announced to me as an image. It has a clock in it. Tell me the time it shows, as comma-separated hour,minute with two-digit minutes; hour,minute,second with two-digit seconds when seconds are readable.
11,31
